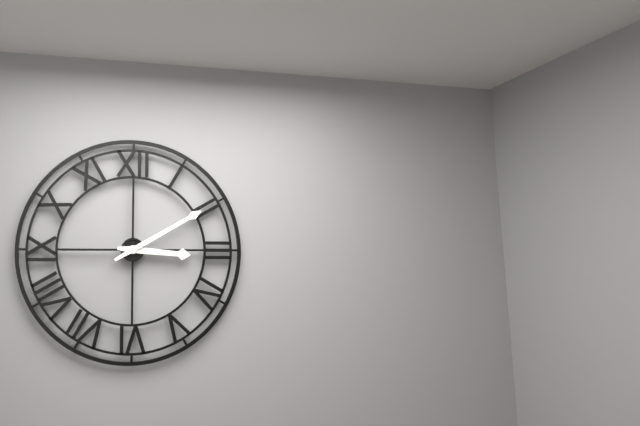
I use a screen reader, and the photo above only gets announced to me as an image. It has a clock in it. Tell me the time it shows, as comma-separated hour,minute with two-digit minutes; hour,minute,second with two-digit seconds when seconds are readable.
3,10
